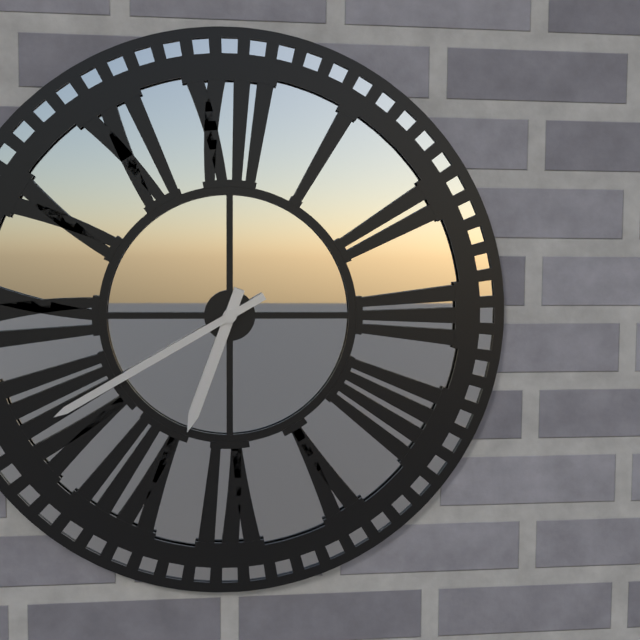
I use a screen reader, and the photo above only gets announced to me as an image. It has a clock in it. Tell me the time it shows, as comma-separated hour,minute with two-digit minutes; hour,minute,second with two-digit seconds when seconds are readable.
6,40
